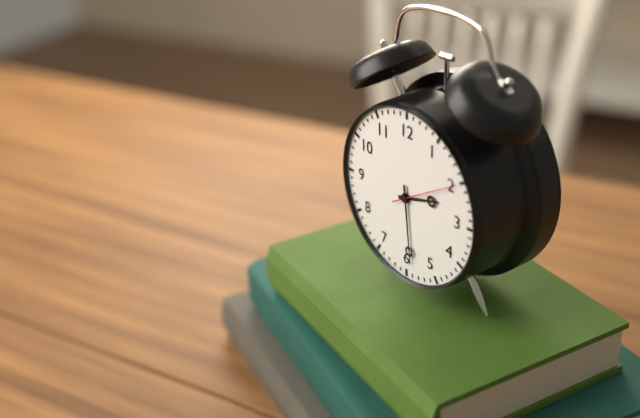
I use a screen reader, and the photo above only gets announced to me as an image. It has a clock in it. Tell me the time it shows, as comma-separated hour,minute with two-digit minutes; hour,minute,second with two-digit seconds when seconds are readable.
2,29,10
